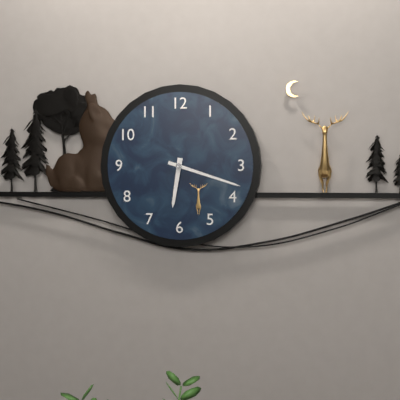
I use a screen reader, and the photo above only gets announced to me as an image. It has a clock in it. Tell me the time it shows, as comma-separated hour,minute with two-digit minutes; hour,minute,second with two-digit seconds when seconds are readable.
6,18
